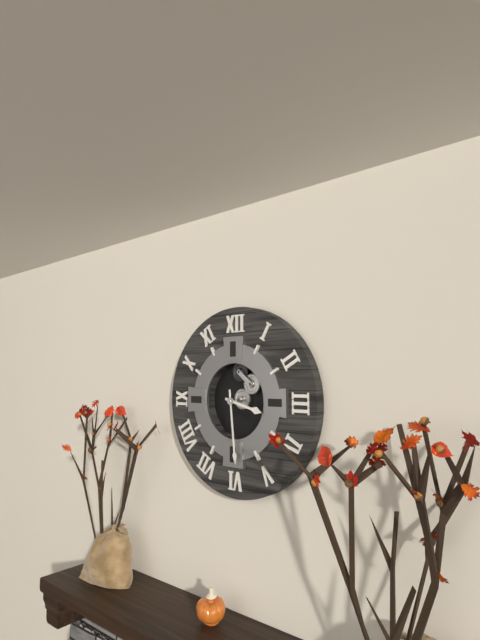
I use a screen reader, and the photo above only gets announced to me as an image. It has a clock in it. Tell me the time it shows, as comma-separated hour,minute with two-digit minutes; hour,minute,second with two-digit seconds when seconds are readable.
3,29
